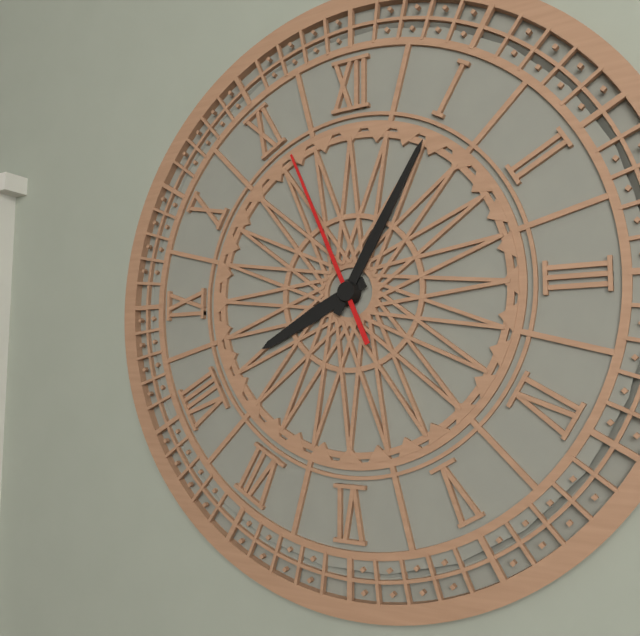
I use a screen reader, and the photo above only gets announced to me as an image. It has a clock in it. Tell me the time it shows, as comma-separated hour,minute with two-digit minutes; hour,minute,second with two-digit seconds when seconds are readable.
8,05,56
